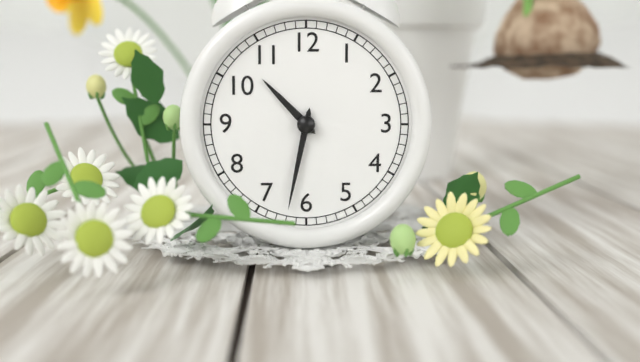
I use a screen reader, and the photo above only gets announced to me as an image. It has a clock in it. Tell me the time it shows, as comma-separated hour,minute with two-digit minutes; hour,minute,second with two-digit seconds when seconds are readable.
10,32
